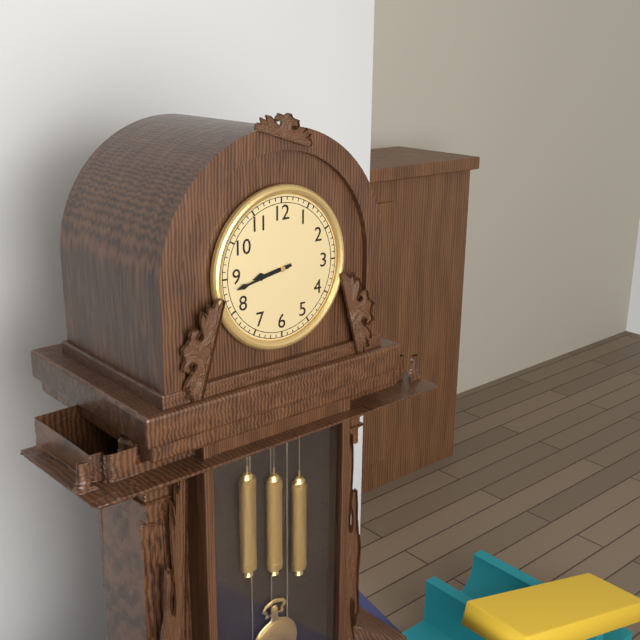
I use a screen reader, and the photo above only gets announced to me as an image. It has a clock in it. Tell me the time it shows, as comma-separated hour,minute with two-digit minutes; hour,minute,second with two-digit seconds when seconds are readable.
8,43
